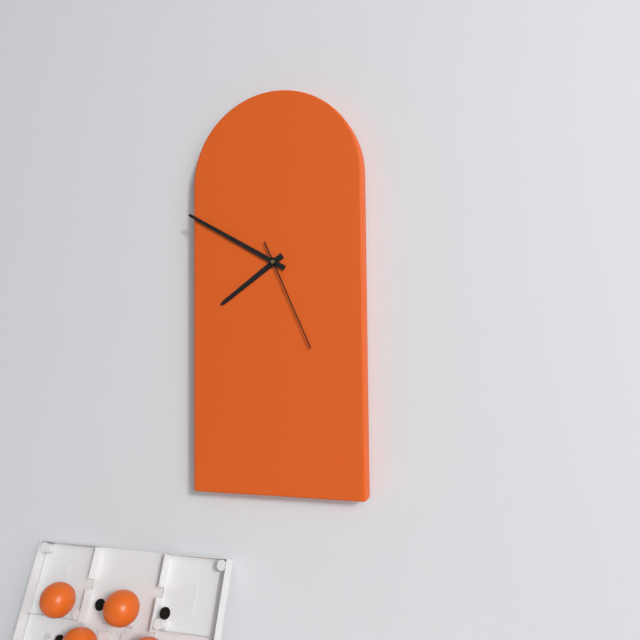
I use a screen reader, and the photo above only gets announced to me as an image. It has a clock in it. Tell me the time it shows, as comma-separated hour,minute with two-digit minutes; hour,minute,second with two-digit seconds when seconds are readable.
7,50,26
